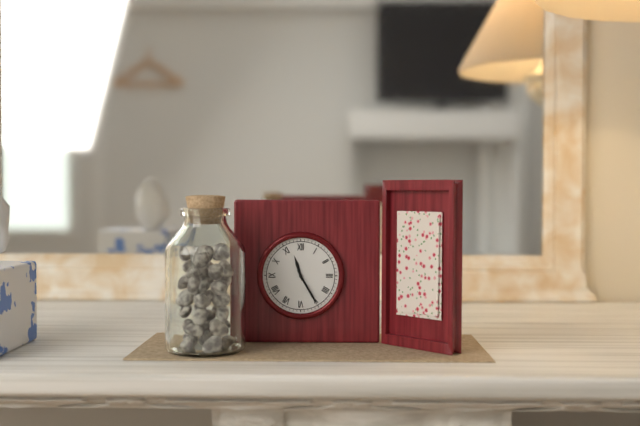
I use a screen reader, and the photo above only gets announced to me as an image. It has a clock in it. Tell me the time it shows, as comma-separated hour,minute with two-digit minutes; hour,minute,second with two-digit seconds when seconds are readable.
11,25
